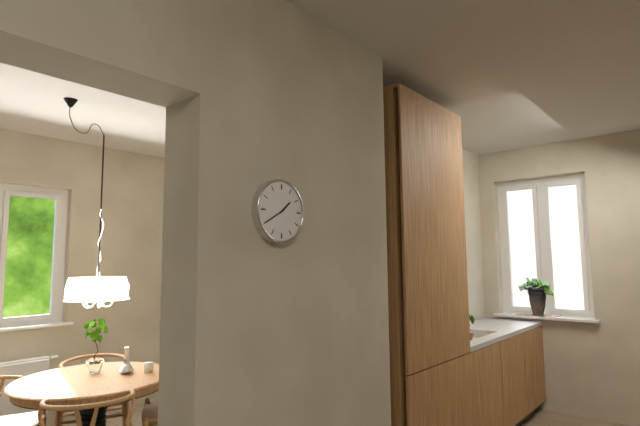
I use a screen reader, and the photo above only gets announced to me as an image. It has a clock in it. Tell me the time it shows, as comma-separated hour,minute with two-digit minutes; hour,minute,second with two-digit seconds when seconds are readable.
1,40
